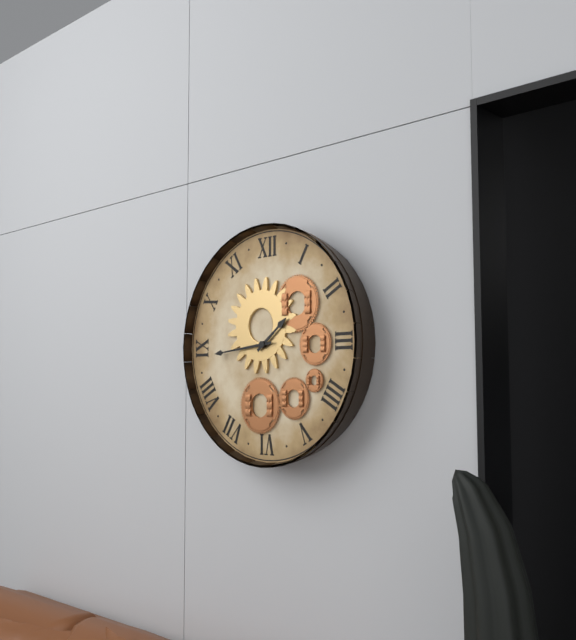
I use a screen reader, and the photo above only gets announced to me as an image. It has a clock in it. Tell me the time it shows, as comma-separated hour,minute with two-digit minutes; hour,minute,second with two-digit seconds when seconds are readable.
1,44
